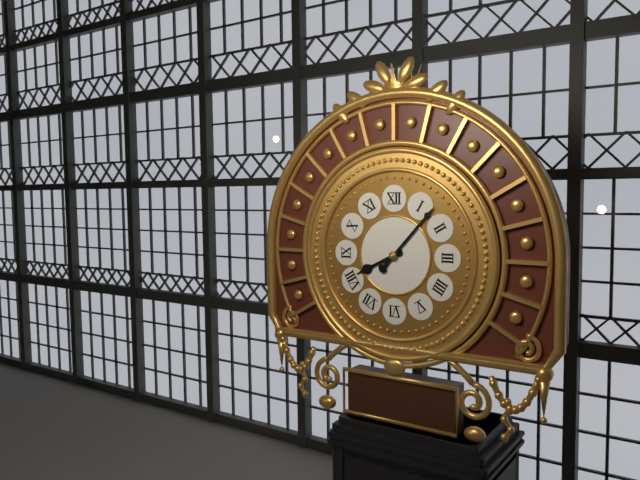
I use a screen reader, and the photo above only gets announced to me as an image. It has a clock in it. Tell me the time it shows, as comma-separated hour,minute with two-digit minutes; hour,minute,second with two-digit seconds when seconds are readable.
8,07
